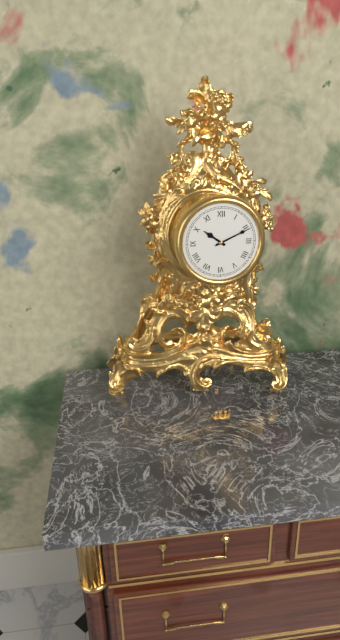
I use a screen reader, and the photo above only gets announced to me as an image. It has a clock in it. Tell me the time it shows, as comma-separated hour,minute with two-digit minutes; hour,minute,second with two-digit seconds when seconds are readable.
10,11
